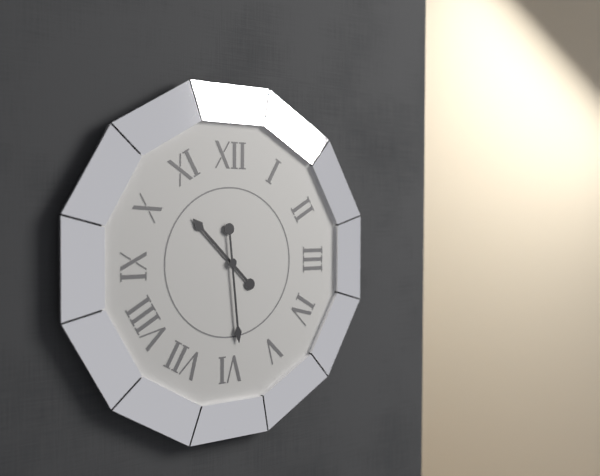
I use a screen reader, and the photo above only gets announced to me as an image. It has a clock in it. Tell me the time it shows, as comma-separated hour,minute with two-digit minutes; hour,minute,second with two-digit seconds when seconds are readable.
10,29
